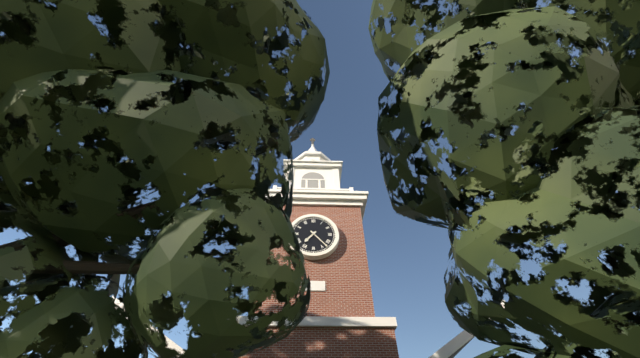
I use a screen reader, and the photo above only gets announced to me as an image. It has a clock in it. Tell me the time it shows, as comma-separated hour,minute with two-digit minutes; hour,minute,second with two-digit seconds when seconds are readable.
7,23
